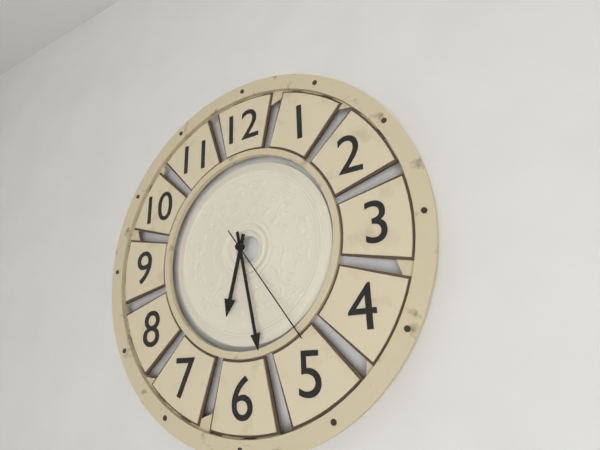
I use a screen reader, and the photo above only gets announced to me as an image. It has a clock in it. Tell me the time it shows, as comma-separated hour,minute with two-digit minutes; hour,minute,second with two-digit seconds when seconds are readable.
6,28,24
